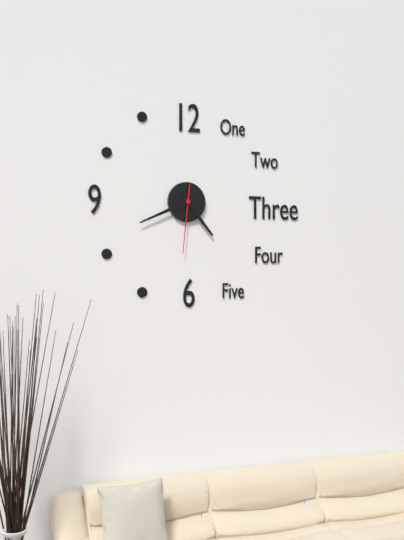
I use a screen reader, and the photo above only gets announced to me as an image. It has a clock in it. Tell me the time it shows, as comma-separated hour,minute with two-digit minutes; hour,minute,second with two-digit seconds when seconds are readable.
4,41,31
